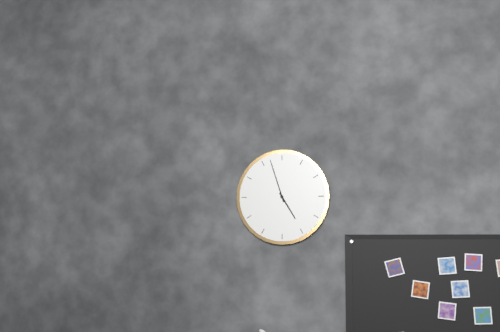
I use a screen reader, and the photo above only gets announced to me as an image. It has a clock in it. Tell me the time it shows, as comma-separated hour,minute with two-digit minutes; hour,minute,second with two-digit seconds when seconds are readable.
4,57
